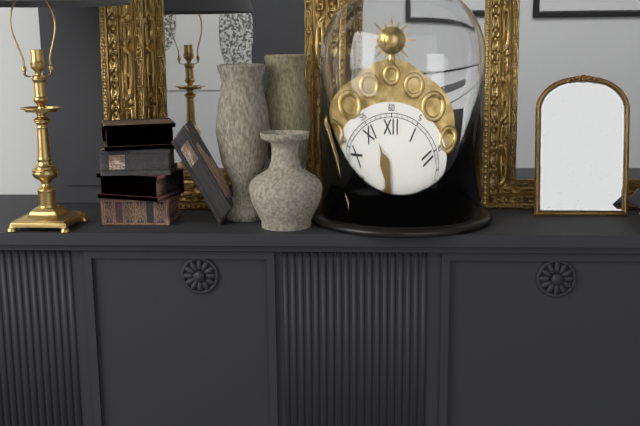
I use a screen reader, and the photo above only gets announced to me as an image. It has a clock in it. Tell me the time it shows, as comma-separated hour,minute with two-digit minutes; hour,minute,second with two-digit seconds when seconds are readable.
11,14
